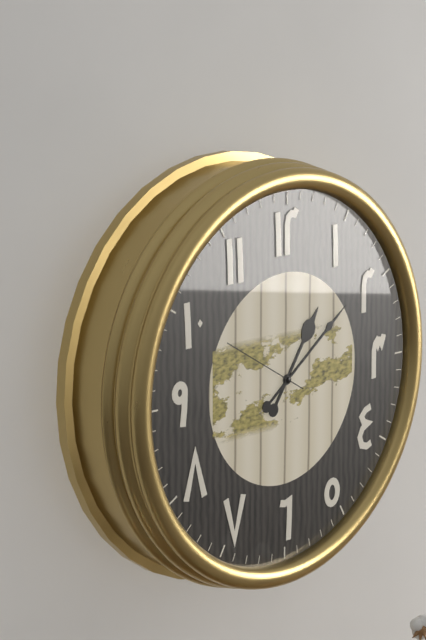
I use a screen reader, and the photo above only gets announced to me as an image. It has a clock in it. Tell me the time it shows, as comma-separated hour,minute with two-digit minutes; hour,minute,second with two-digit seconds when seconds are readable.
1,09
